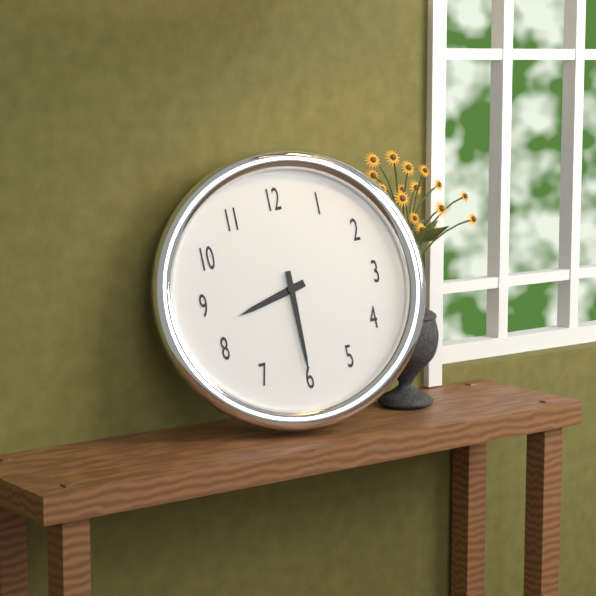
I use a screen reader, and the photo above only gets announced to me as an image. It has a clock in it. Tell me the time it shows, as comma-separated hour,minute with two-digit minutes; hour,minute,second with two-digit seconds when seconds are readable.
8,30
